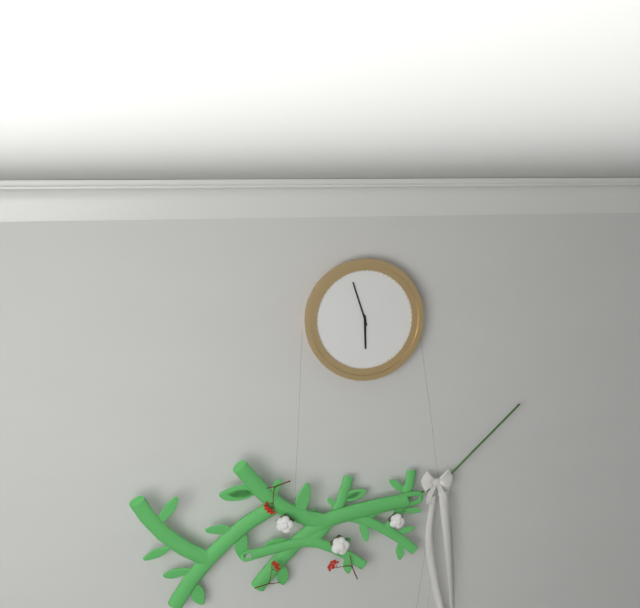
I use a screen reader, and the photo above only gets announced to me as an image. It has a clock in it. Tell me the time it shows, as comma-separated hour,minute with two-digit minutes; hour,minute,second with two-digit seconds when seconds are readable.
5,57
